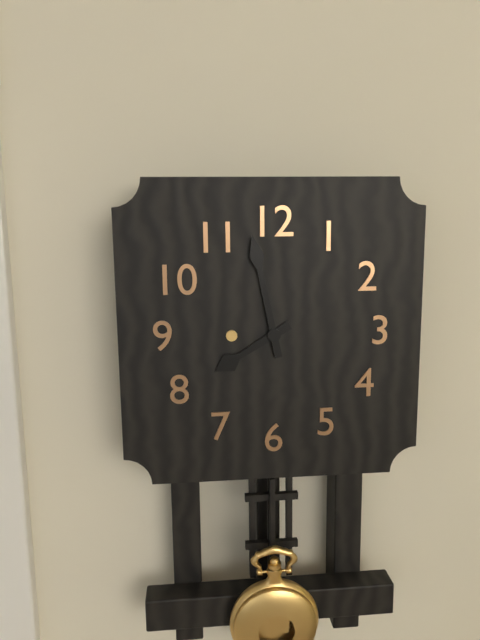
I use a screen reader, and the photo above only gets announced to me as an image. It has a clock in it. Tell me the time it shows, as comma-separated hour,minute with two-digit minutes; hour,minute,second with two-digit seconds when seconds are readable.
7,58
